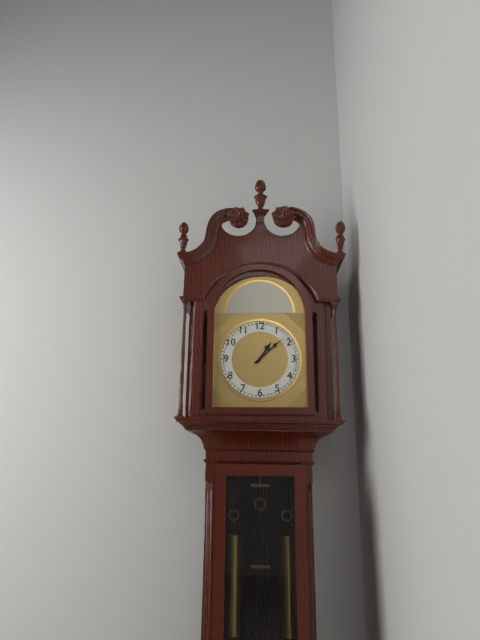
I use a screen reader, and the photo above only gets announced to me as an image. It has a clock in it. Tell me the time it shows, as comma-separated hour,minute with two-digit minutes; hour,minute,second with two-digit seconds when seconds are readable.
1,08
